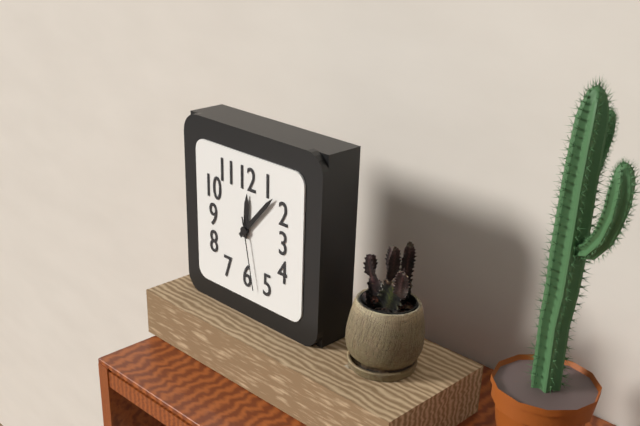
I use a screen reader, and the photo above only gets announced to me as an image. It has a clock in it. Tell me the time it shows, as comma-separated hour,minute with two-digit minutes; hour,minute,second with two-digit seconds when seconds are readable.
12,07,28
